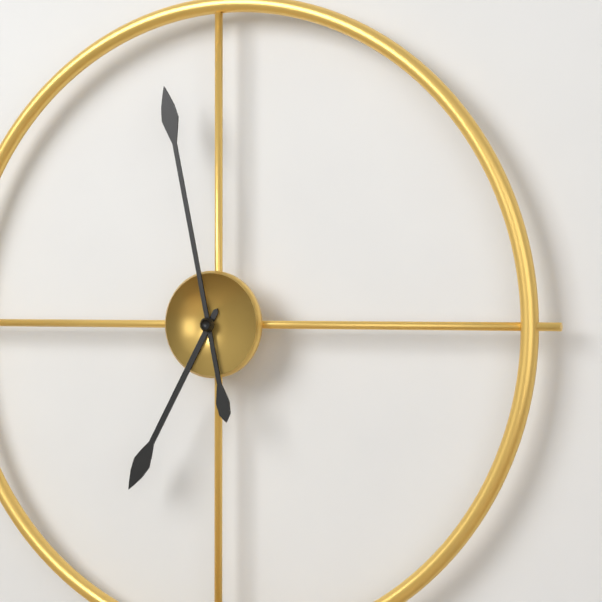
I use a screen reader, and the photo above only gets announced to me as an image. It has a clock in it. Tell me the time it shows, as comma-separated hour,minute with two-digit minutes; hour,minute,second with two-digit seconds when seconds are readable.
6,58
